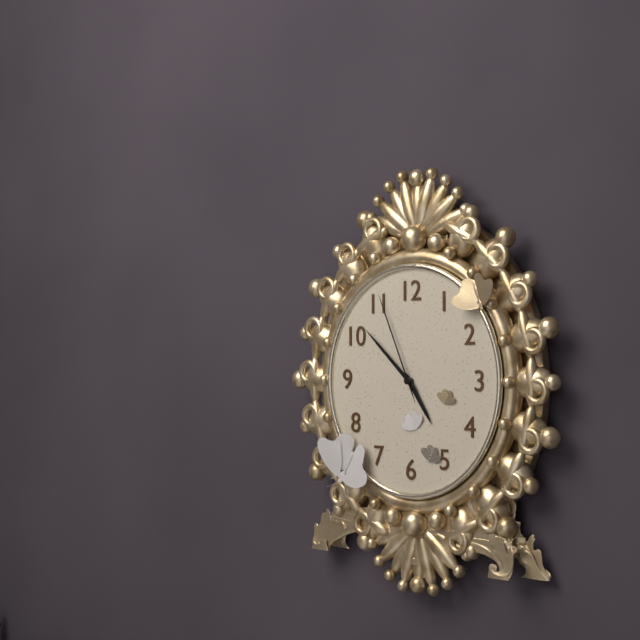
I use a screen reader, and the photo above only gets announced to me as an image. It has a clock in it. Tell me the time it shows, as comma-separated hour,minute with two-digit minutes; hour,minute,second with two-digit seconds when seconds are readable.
4,52,56
